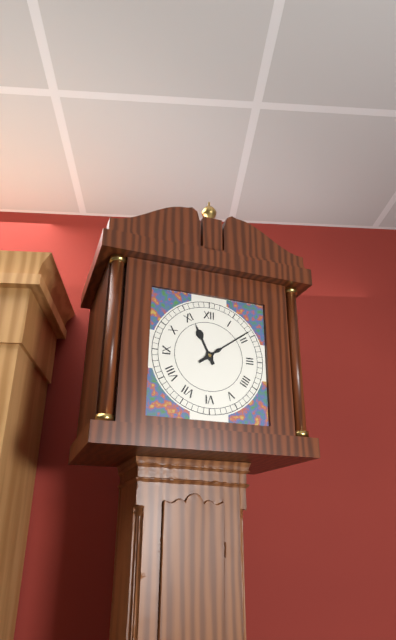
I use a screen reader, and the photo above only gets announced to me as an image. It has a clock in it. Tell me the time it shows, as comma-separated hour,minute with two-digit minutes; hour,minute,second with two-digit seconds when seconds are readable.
11,09
